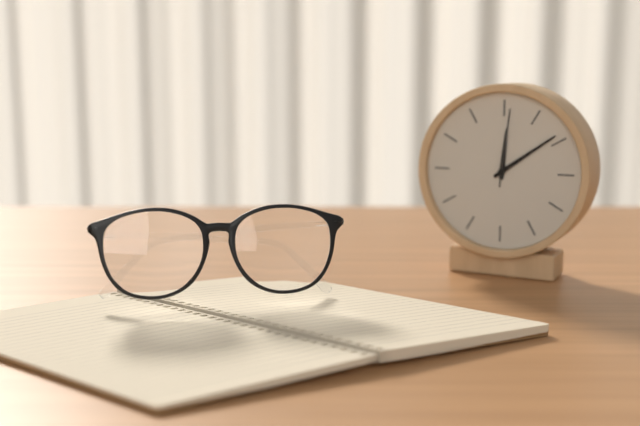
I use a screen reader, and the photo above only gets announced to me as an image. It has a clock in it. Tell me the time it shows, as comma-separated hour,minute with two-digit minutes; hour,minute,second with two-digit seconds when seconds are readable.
12,09,01
